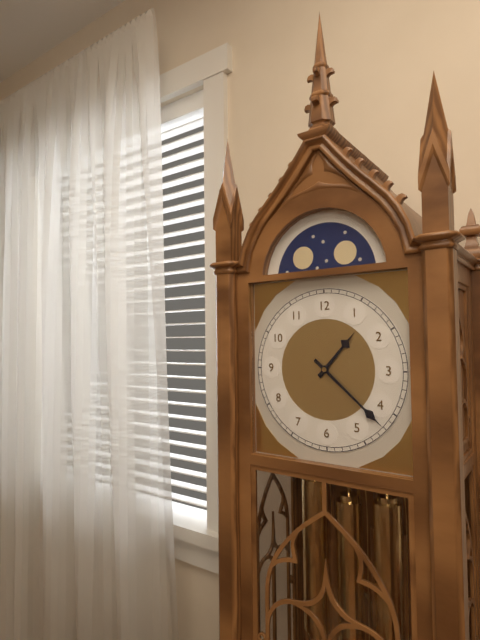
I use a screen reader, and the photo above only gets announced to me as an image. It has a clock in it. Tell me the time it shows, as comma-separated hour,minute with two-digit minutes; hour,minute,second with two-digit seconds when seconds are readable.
1,22
